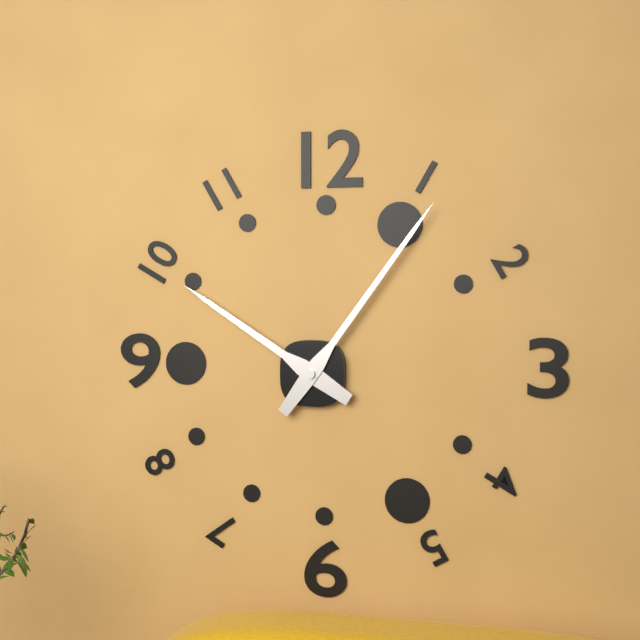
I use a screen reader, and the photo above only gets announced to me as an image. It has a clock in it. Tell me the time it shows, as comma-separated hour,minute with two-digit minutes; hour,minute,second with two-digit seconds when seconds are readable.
10,06
